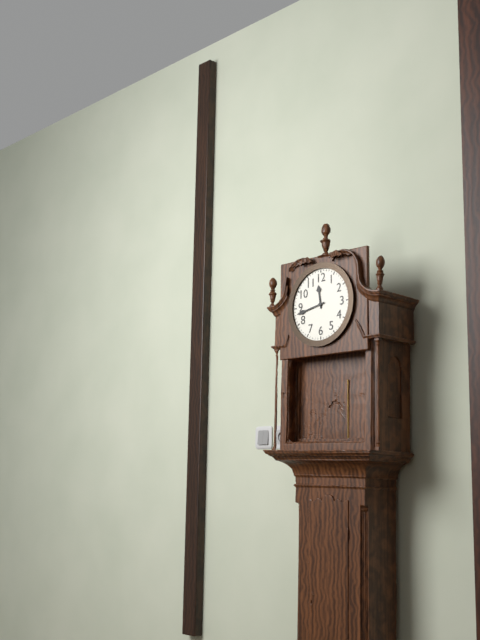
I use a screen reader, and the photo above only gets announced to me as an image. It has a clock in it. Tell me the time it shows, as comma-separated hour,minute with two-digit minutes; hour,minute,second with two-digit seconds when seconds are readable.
11,43
